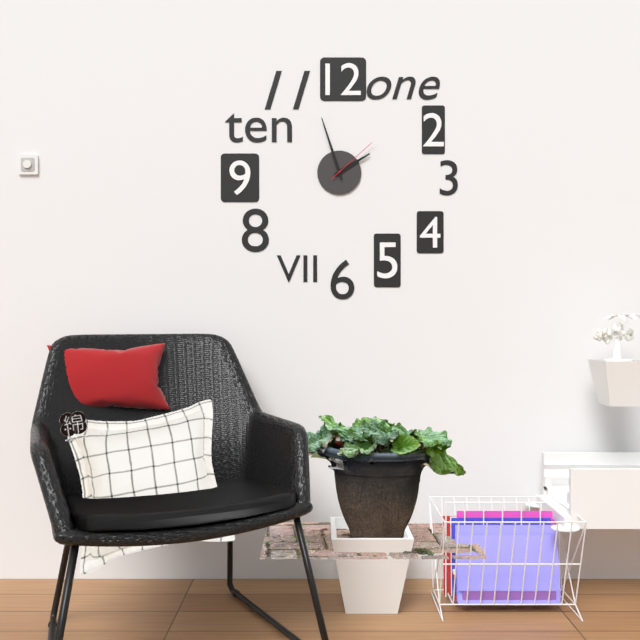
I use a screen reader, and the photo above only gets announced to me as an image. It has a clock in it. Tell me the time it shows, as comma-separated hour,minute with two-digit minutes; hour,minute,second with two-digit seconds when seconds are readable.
1,57,08
